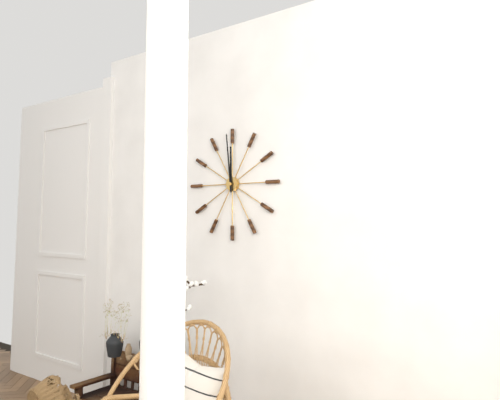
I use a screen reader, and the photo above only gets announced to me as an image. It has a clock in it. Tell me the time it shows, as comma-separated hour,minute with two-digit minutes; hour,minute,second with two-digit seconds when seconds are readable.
11,59
